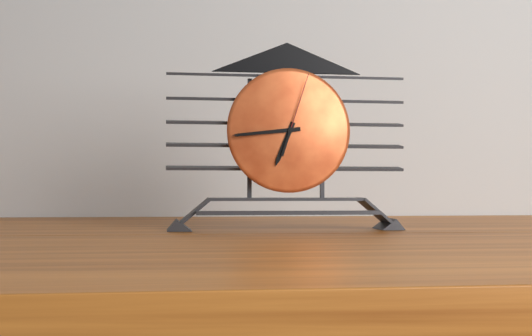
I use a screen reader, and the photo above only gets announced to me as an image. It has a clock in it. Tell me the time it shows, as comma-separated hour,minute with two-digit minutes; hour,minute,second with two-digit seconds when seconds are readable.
6,44,03
